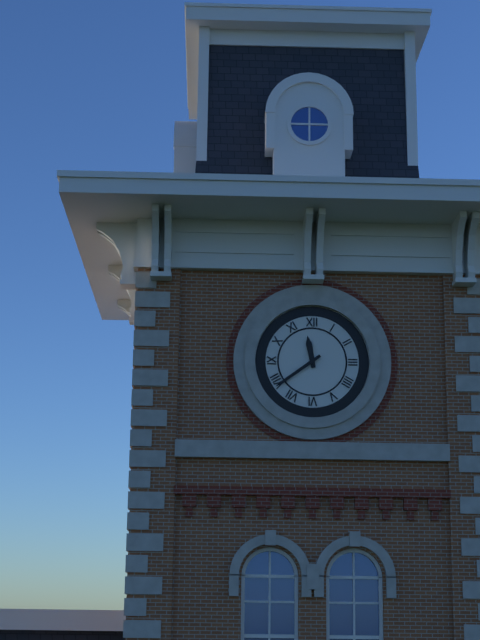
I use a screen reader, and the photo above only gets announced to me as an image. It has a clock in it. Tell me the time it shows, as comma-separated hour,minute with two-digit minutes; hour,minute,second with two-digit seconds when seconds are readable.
11,39
